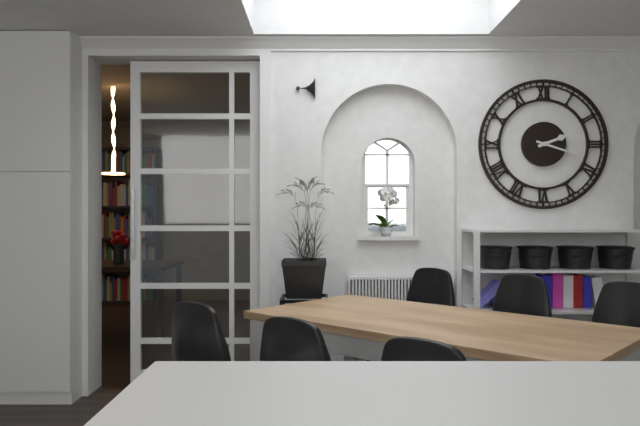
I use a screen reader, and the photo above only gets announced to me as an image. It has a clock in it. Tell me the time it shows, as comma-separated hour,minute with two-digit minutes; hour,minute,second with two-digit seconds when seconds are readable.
2,18
